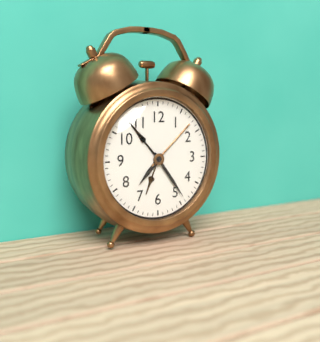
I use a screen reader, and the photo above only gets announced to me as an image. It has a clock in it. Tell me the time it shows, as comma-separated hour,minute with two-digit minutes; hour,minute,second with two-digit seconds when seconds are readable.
7,24
